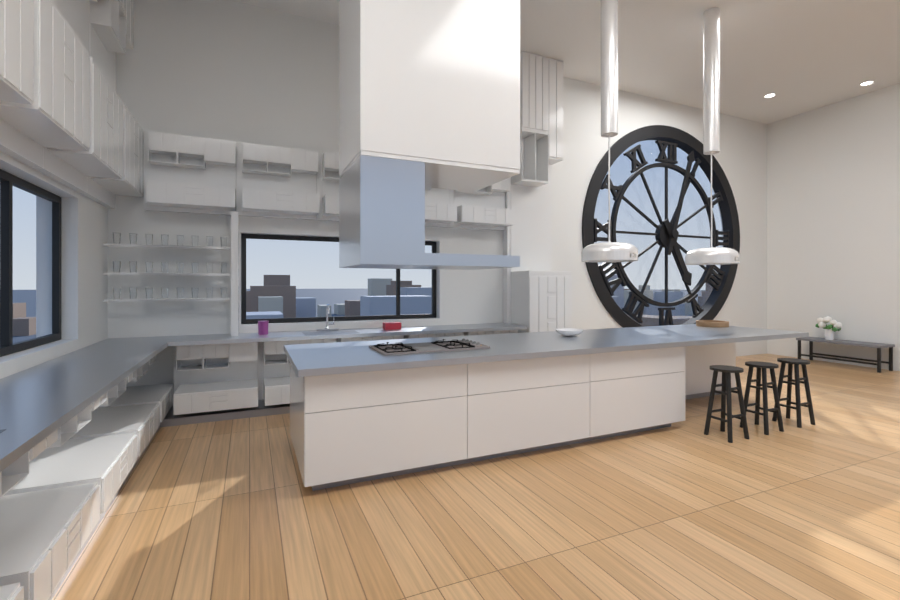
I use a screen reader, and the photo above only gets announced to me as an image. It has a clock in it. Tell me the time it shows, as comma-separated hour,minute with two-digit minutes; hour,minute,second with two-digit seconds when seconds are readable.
5,03
